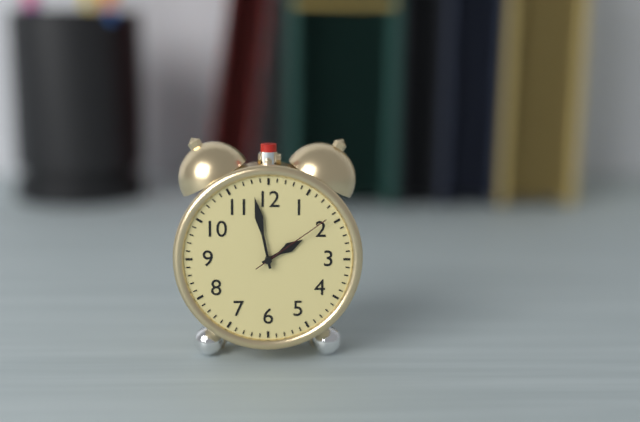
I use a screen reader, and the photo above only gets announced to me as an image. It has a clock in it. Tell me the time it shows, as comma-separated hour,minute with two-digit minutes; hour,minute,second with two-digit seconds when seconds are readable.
1,58,09
